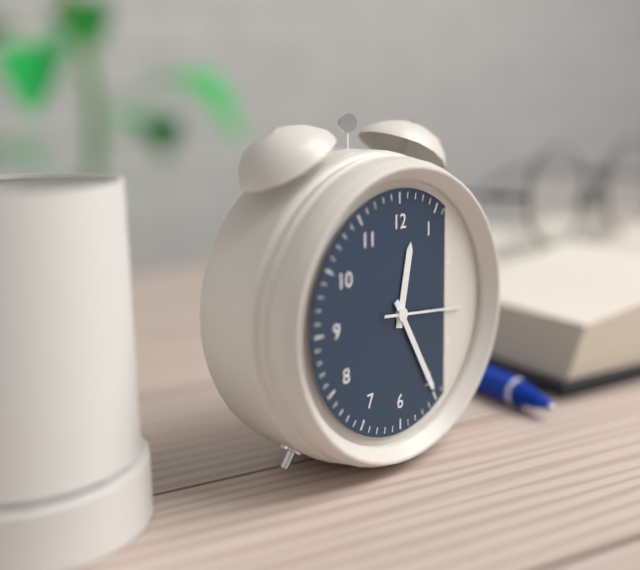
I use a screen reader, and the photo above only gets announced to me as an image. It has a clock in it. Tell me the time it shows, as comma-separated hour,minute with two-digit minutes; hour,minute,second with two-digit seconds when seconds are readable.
12,25,16
